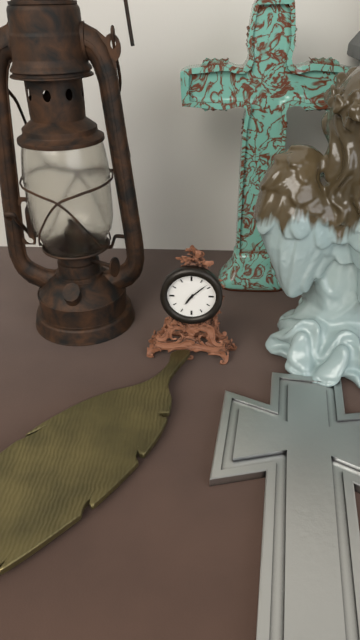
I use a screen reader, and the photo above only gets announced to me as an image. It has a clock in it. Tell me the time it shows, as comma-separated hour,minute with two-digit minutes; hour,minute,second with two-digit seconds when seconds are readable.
7,08
